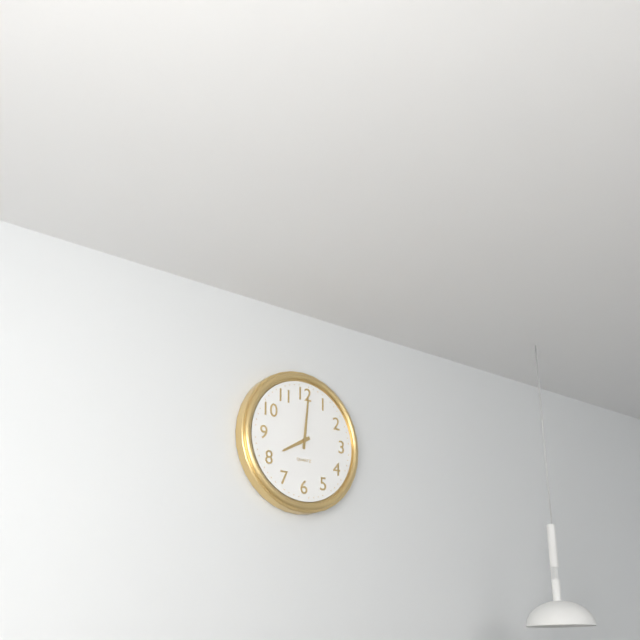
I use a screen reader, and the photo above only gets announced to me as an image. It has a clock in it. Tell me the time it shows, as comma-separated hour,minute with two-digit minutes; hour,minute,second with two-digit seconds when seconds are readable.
8,01
